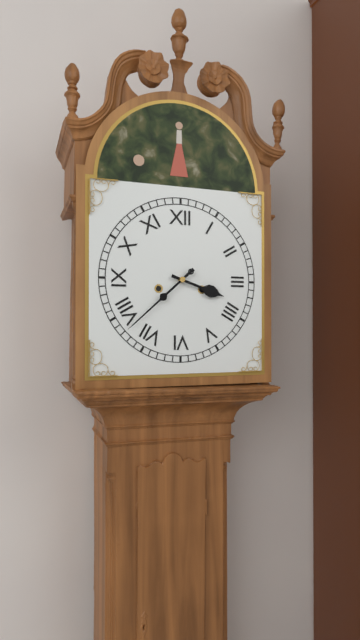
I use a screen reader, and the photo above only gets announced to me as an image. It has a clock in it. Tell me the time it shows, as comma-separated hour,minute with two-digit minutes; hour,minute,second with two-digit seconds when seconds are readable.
3,38
